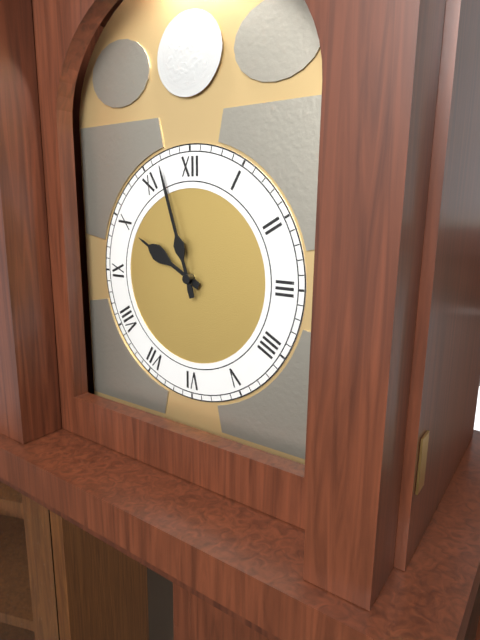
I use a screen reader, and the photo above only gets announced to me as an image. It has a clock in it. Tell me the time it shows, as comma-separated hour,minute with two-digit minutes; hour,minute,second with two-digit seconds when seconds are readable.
9,57
